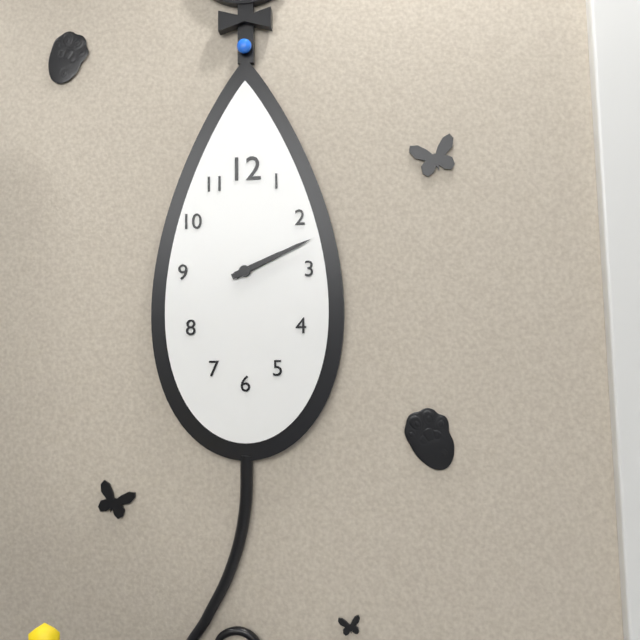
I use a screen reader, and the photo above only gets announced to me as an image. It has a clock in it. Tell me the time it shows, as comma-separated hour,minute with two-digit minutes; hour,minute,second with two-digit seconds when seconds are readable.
2,11
